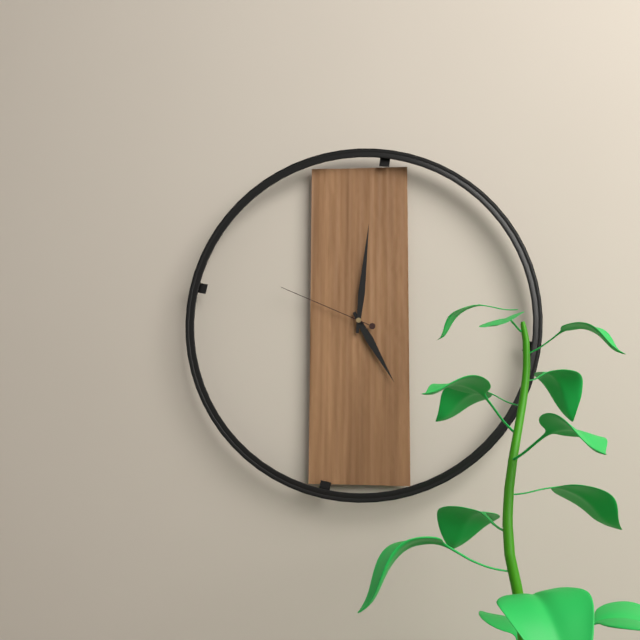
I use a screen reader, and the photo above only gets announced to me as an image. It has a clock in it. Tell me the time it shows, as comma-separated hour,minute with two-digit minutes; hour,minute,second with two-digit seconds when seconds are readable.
5,01,49
